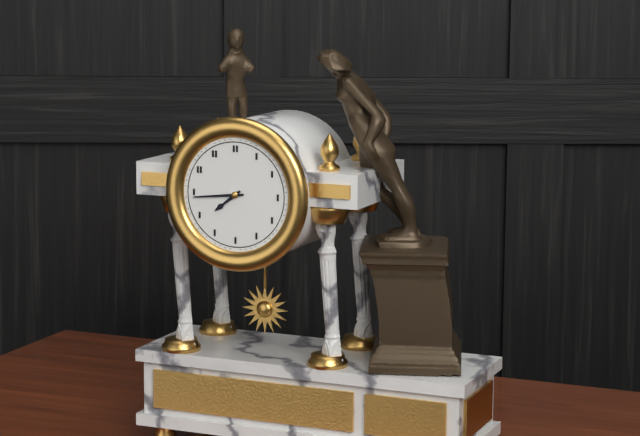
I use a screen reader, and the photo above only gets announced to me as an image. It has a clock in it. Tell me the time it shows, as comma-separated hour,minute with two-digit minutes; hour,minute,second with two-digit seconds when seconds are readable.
7,44
